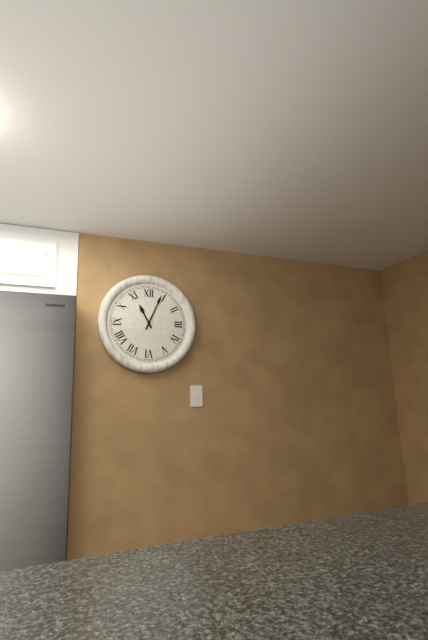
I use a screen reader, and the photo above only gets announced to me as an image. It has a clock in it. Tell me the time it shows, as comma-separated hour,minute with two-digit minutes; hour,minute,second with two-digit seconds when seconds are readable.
11,04
